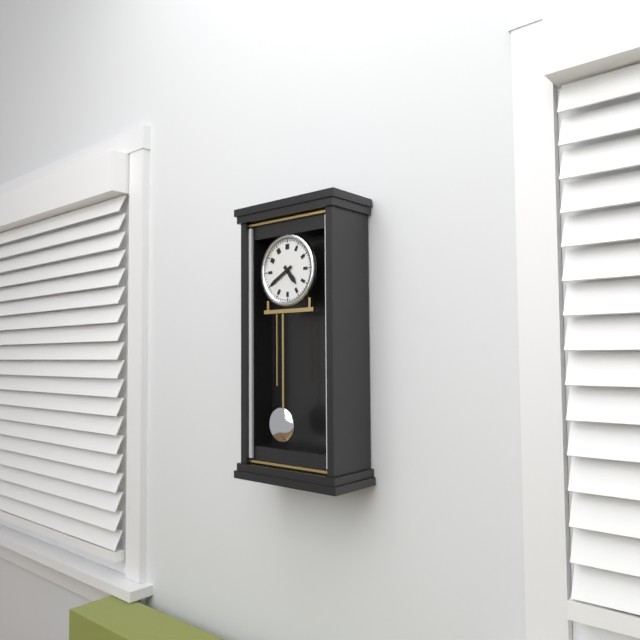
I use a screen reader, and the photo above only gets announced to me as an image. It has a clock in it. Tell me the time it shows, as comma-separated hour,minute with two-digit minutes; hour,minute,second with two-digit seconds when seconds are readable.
4,40
